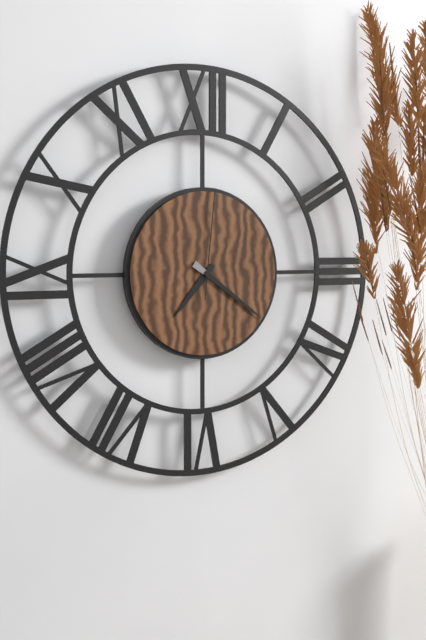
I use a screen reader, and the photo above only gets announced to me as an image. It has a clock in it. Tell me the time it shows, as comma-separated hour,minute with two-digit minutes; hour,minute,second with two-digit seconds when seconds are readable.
7,21,01
